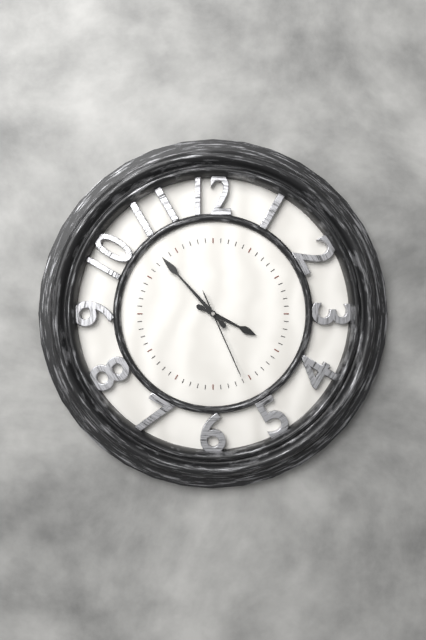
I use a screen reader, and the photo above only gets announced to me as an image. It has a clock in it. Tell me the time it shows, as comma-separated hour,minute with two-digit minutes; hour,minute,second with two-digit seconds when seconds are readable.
3,53,26
